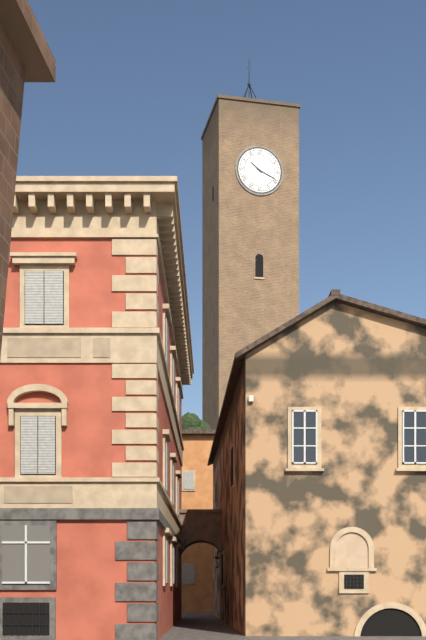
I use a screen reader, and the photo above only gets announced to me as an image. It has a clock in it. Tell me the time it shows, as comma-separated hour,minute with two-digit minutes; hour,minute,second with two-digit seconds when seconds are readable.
10,19
